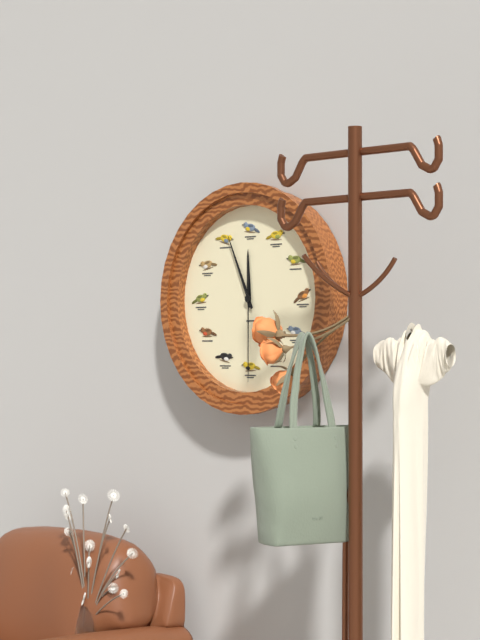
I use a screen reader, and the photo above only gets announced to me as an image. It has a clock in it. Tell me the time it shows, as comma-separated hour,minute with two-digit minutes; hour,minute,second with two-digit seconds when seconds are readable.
11,56,30
